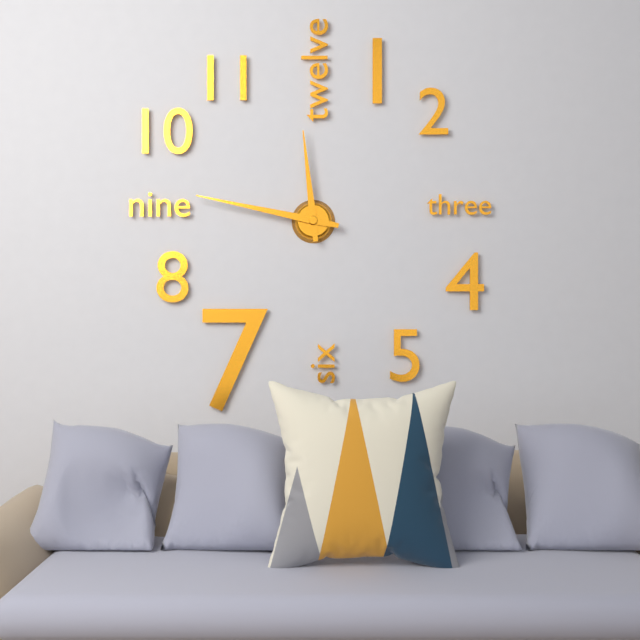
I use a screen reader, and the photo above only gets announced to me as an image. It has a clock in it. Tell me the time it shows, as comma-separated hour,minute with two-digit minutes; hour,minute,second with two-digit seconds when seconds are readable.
11,47
